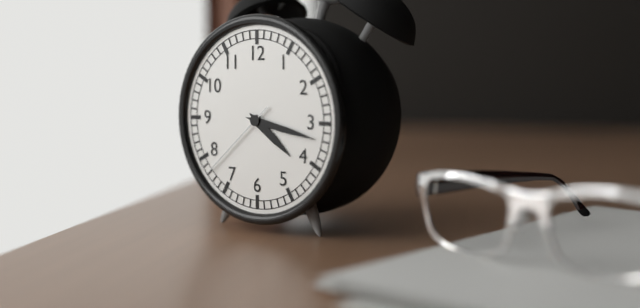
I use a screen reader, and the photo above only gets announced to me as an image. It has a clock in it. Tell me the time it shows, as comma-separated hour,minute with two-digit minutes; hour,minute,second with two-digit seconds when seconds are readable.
4,17,38
